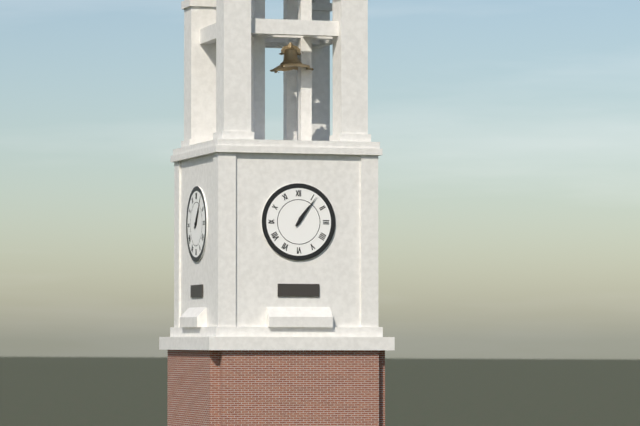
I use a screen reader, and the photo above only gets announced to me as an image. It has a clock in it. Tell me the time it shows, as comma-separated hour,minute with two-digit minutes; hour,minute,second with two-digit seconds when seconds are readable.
1,06
